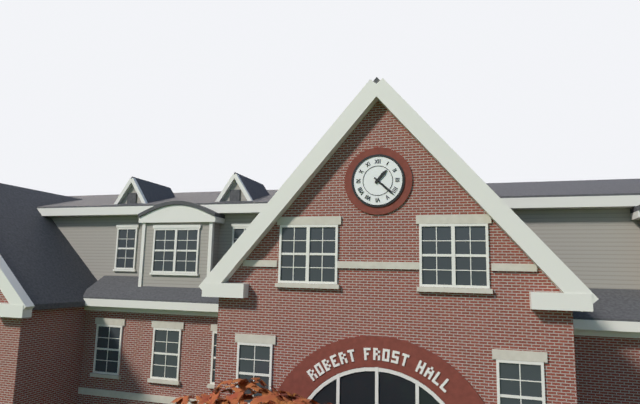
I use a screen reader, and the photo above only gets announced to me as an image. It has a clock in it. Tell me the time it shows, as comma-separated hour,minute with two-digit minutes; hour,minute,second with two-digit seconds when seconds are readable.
1,22
